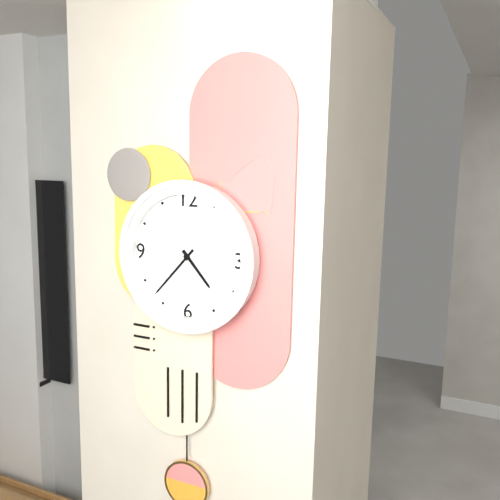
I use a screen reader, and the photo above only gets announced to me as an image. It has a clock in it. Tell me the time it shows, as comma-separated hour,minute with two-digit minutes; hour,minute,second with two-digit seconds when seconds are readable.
4,37
